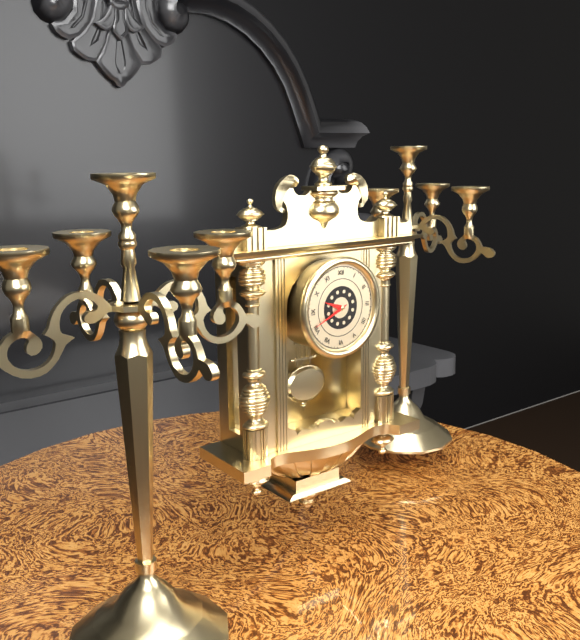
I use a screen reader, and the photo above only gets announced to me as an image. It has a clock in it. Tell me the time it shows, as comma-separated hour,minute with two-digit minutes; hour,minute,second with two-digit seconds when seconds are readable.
9,41
